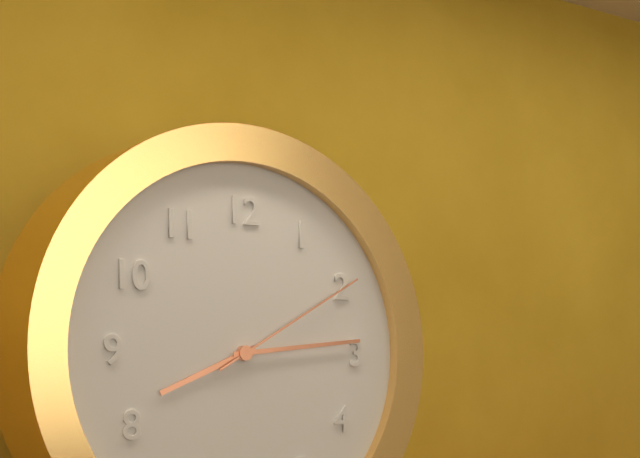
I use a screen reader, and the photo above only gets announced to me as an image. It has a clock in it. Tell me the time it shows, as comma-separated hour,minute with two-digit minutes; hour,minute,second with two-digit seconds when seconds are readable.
8,14,10
